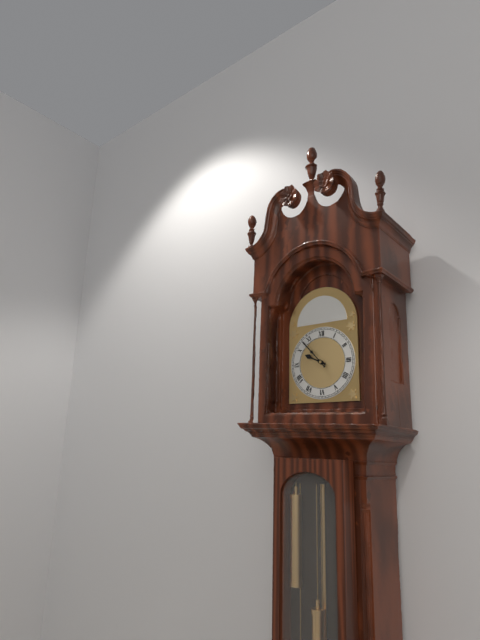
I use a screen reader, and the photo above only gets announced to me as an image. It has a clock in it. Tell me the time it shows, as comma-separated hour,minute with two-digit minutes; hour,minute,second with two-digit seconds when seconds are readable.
9,53
